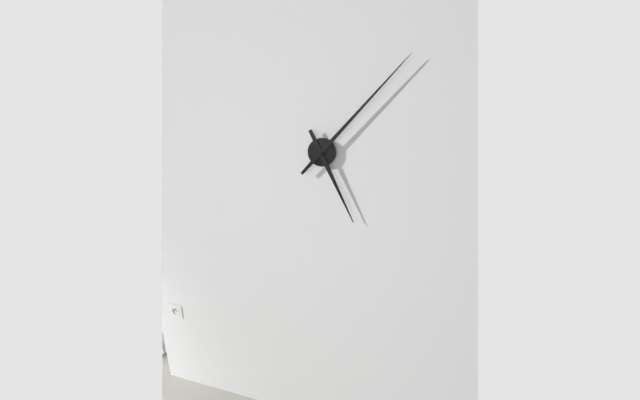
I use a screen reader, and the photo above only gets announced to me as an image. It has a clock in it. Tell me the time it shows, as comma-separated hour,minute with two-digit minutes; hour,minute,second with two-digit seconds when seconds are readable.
5,07
